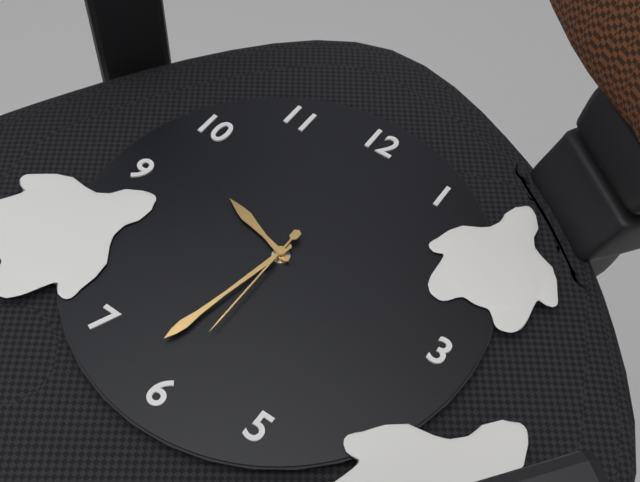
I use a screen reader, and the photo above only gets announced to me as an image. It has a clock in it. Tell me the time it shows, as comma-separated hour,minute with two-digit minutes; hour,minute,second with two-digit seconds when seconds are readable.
9,32,30
